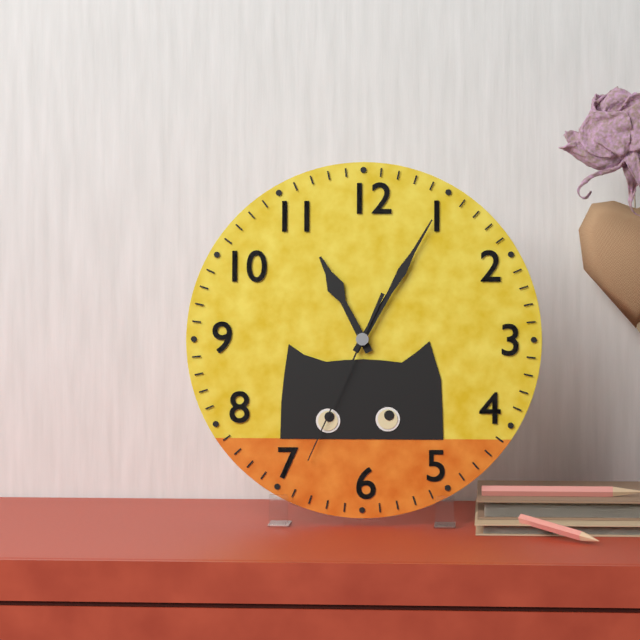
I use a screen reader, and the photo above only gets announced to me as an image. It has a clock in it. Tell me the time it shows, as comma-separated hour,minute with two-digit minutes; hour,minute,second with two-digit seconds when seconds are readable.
11,05,34
